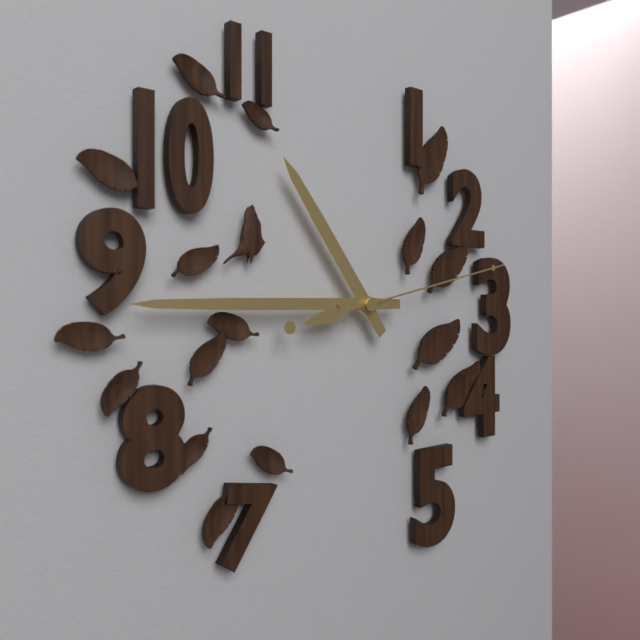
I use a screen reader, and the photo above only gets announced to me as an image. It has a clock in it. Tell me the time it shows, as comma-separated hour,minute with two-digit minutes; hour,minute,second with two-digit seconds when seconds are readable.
10,45,13
